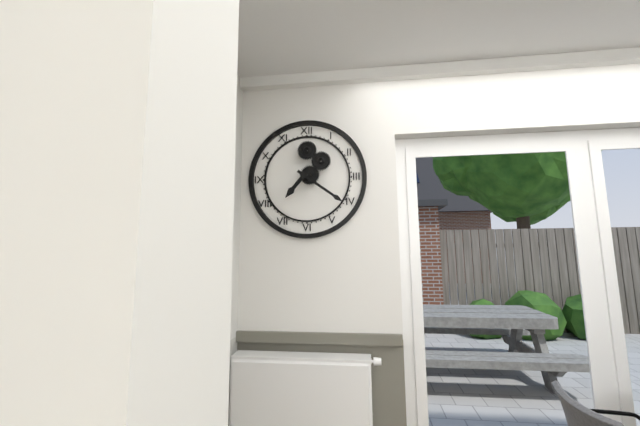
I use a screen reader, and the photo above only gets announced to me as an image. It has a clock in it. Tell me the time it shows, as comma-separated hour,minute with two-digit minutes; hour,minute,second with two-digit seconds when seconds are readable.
7,21
